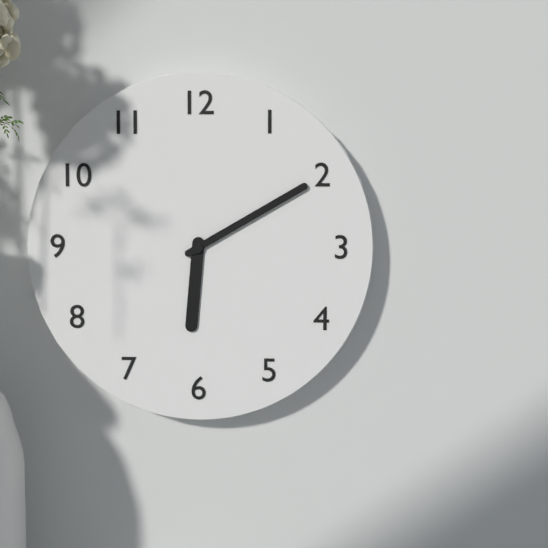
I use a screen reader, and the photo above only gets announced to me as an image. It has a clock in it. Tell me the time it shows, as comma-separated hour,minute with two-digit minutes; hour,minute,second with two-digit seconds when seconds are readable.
6,10
